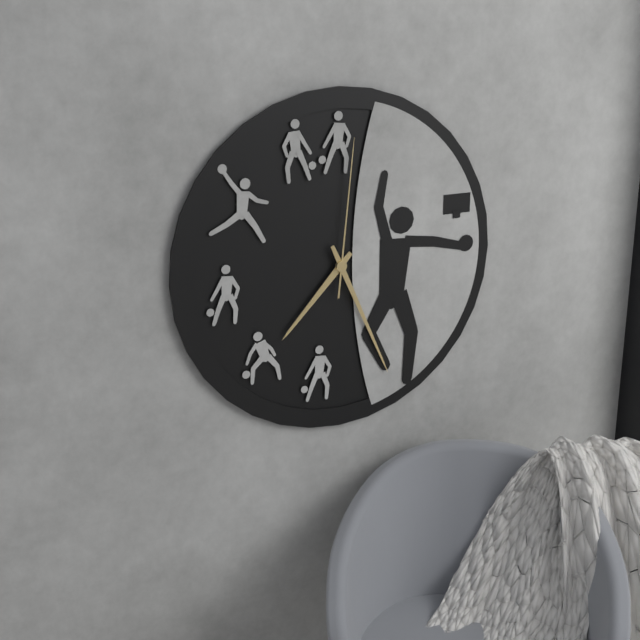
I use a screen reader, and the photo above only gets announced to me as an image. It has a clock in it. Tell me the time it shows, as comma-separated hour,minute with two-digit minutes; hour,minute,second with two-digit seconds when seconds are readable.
7,26,01
